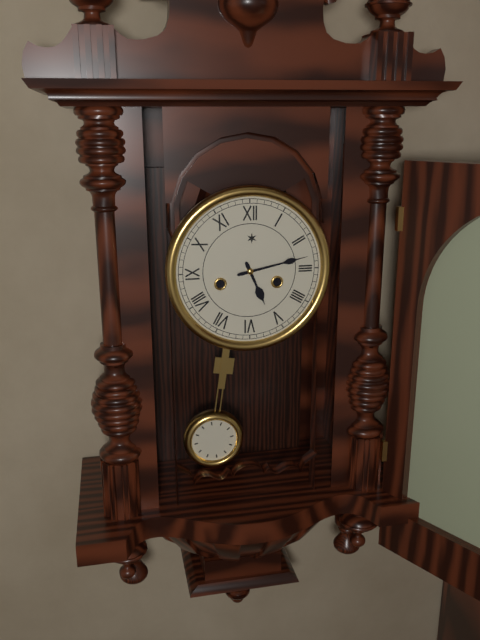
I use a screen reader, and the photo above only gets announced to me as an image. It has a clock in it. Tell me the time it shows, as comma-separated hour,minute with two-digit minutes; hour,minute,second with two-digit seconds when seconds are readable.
5,13
